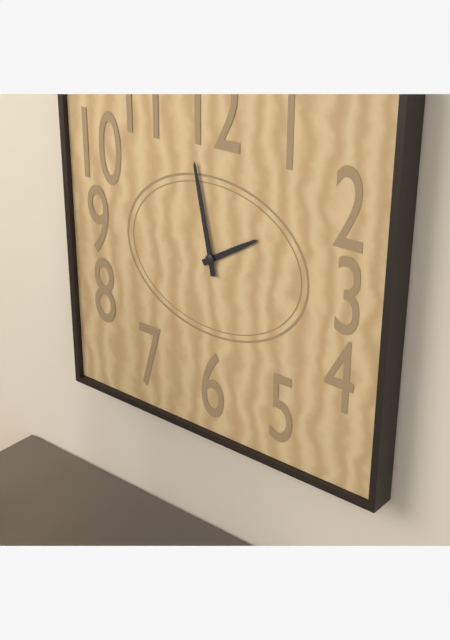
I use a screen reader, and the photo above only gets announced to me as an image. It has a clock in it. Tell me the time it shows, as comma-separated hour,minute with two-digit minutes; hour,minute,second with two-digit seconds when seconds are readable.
1,58
